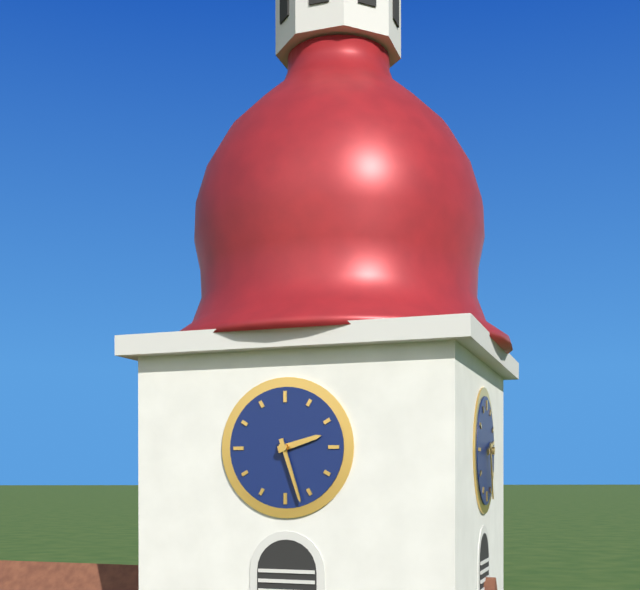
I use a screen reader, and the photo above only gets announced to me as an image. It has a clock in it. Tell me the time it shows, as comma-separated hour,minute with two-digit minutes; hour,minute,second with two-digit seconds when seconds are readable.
2,27
